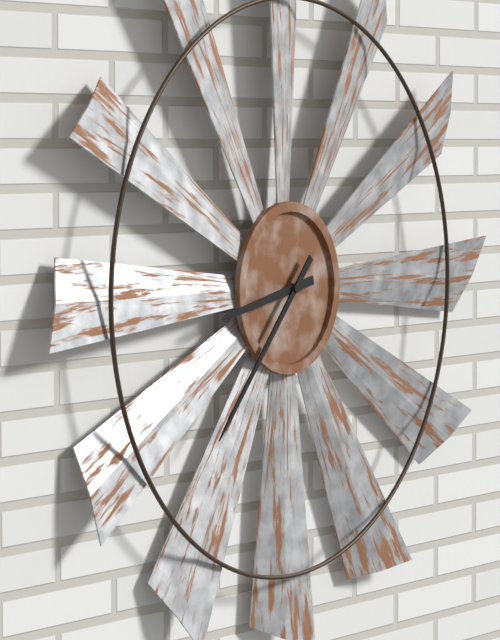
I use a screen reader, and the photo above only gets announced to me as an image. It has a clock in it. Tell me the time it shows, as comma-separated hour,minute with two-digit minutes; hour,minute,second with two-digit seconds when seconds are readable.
8,37
